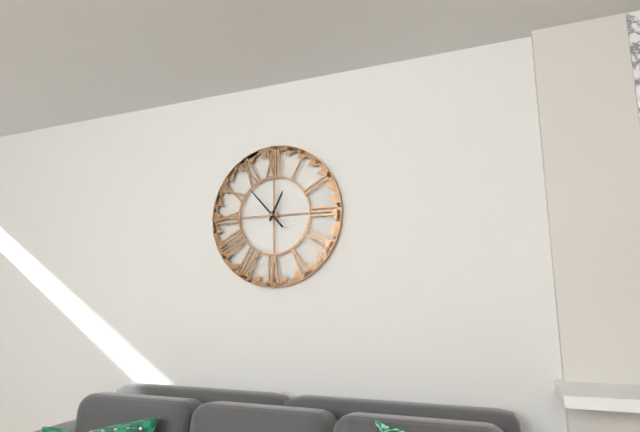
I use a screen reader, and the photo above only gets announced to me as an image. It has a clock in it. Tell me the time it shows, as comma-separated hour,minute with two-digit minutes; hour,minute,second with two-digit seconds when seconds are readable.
12,53
